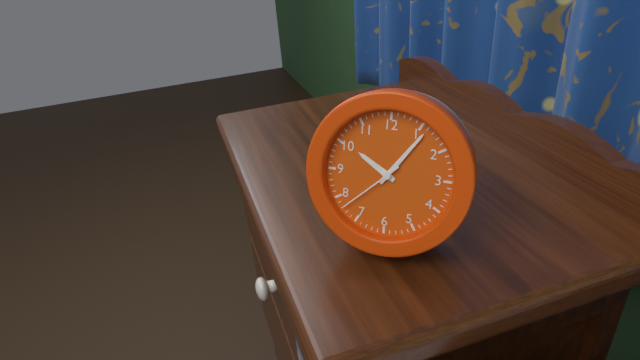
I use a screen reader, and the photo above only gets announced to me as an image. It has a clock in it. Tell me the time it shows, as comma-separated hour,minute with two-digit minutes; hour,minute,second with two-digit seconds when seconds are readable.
10,06,38
